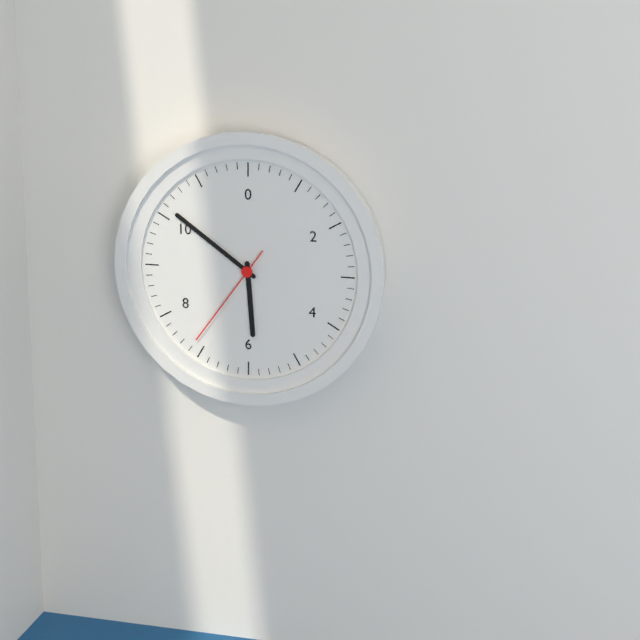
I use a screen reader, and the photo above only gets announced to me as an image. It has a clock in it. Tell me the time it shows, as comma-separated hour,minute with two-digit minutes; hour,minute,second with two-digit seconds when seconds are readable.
5,51,36
